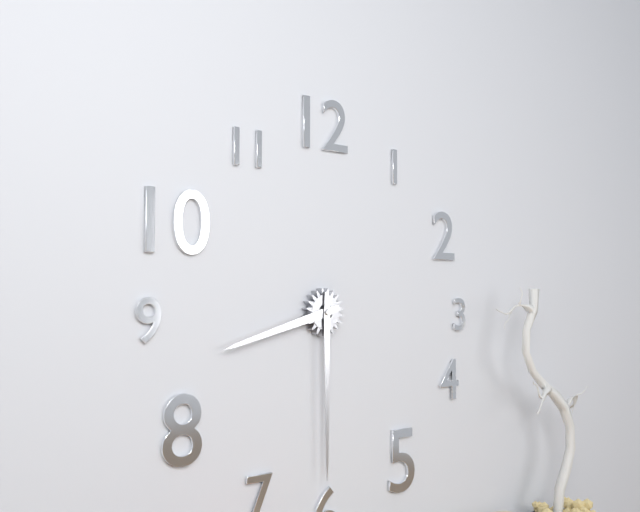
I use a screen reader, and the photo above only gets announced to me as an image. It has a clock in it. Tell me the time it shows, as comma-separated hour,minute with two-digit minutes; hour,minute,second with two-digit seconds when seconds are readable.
8,30
